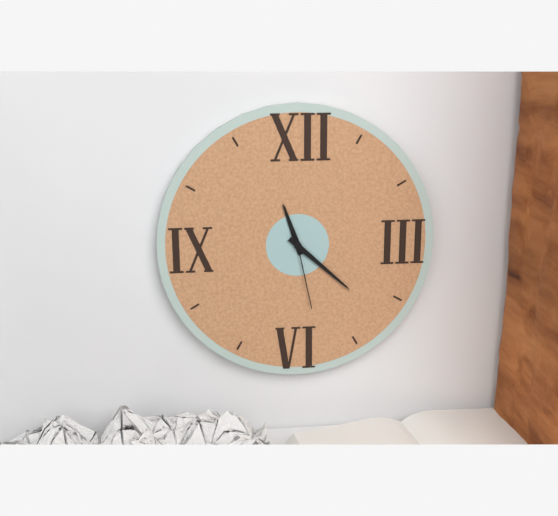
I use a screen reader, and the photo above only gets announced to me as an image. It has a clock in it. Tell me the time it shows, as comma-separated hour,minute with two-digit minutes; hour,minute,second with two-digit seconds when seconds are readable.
11,22,28
